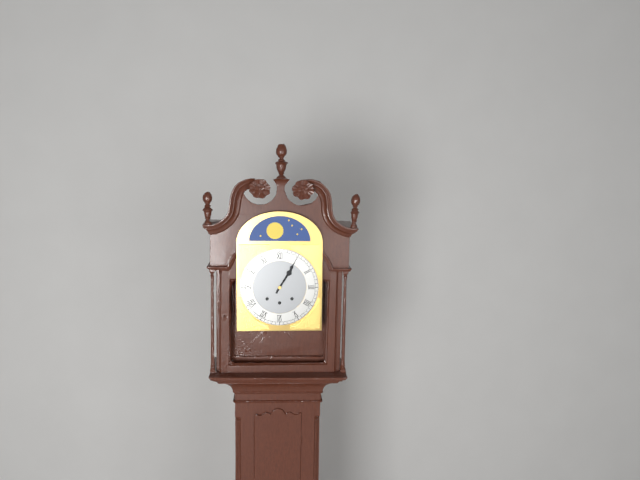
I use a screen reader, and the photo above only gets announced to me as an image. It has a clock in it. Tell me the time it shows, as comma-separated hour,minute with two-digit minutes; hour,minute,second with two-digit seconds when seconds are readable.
1,05
